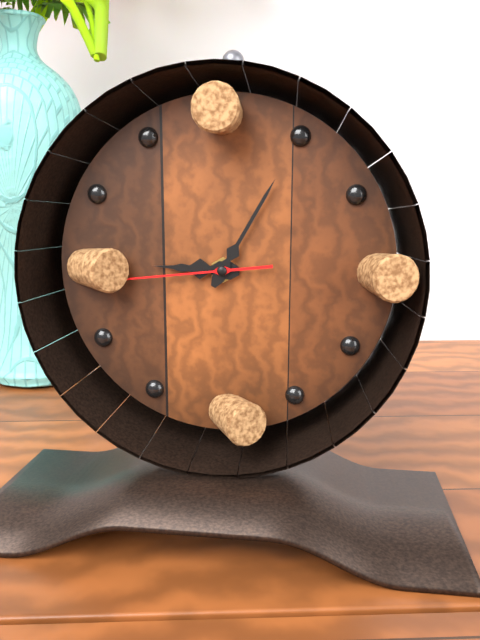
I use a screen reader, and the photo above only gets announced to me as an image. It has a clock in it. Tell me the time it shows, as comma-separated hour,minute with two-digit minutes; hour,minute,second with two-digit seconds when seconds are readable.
9,05,44
